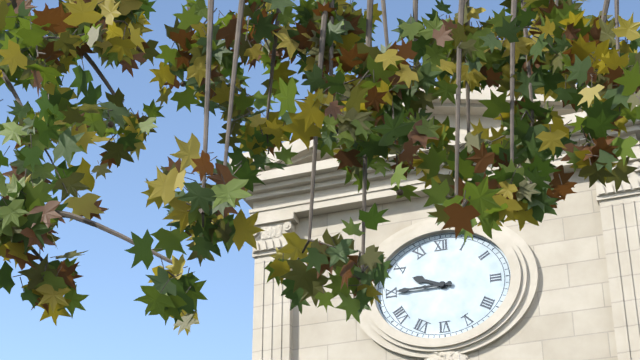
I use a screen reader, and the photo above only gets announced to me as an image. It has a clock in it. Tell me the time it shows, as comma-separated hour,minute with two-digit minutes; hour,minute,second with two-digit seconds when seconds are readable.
9,45
